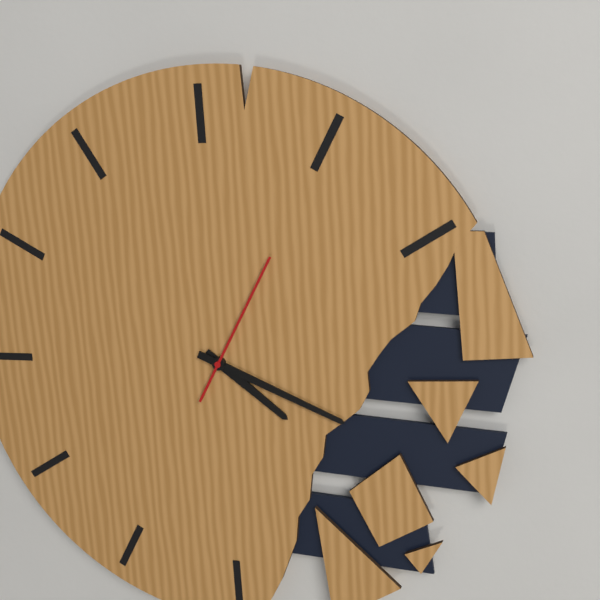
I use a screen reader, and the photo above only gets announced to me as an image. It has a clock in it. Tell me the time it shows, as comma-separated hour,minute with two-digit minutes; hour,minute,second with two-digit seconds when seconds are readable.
4,19,05
